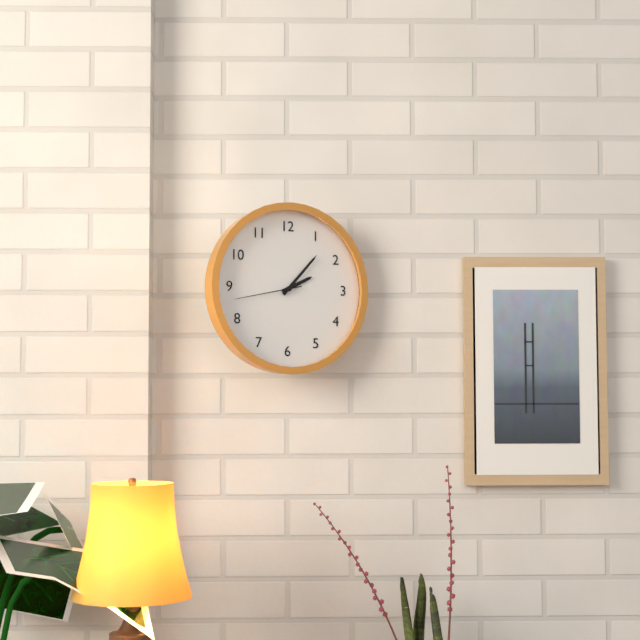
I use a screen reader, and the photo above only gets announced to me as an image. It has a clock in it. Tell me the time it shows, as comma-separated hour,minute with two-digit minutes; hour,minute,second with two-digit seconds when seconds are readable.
2,07,43
